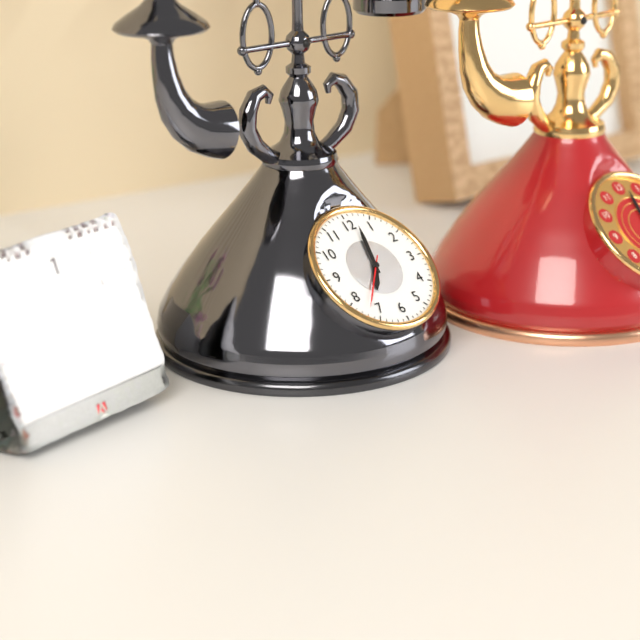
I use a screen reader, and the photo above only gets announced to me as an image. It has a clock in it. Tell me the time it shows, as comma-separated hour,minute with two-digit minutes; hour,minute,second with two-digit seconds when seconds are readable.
7,02,37
